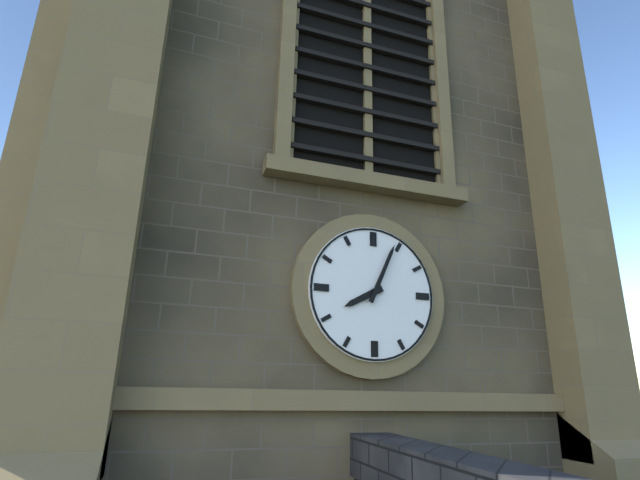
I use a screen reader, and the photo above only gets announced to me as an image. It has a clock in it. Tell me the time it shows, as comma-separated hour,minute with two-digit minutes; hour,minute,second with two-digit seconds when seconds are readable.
8,04
